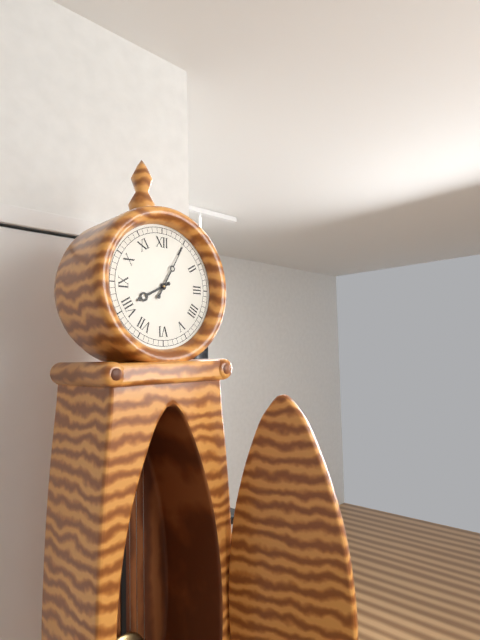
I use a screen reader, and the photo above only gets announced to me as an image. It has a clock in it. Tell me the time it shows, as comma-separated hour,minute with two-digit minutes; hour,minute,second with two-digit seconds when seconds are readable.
8,05
